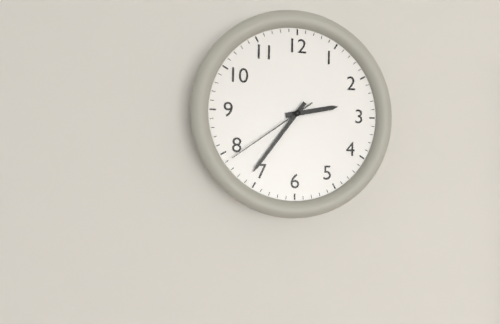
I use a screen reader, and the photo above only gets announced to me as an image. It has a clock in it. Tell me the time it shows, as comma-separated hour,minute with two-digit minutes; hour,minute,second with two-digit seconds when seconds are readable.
2,36,39
